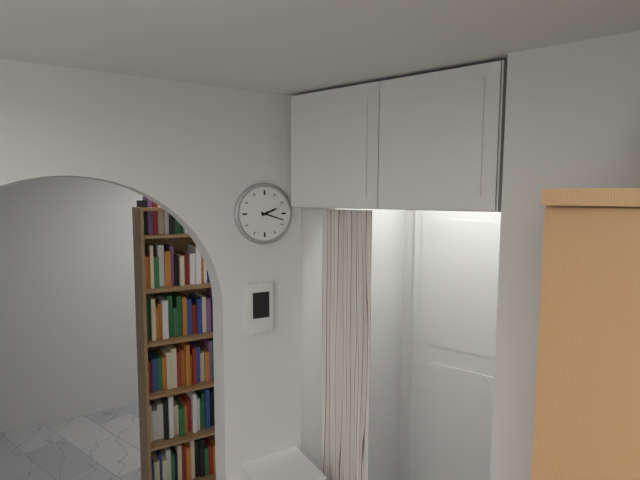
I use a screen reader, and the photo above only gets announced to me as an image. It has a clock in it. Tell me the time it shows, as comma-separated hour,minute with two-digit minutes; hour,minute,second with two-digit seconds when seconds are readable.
2,18
